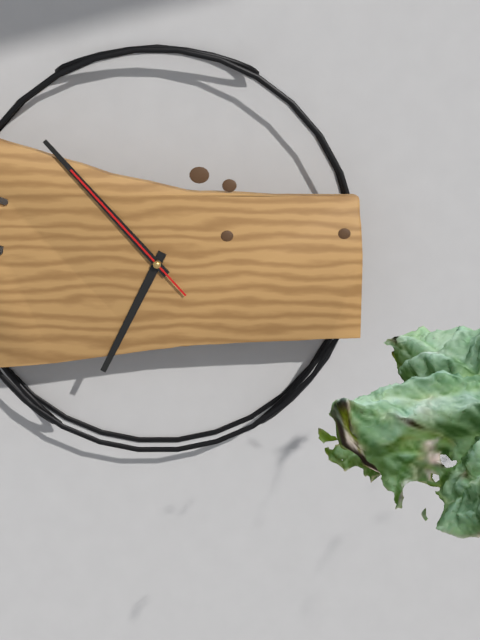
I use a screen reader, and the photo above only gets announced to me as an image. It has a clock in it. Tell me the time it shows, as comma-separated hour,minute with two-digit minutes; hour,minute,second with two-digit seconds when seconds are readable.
6,53,53
